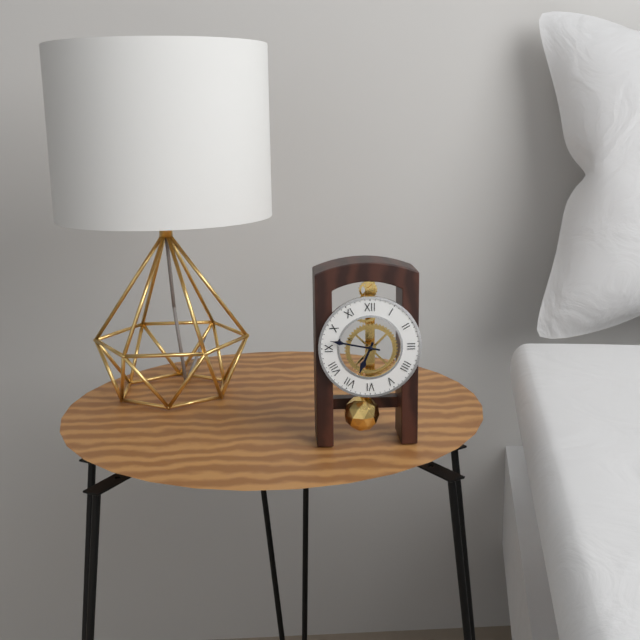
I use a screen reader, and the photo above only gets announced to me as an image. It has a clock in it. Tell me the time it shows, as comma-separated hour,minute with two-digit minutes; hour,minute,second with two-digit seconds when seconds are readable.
6,47
